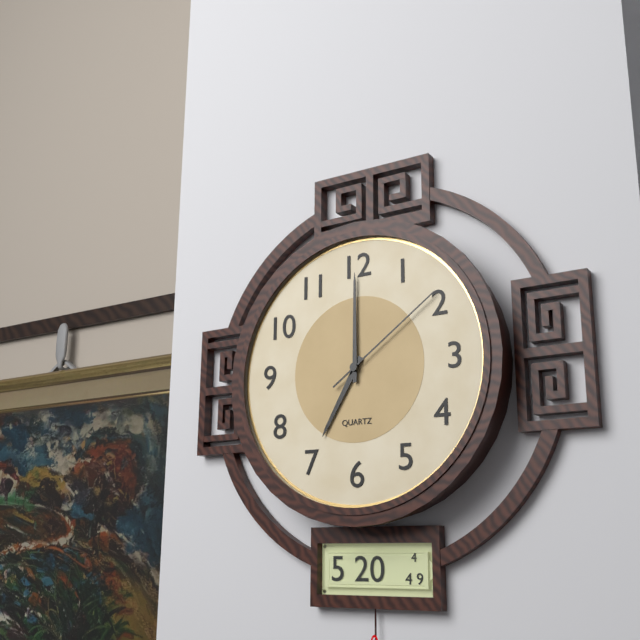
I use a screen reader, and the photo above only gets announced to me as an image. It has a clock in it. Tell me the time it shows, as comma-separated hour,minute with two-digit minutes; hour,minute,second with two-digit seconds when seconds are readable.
7,00,09
